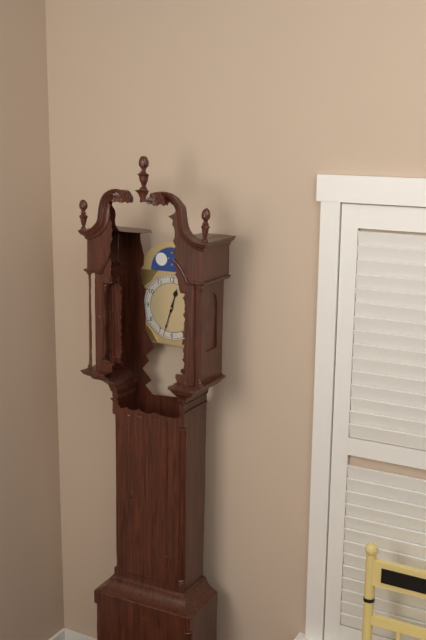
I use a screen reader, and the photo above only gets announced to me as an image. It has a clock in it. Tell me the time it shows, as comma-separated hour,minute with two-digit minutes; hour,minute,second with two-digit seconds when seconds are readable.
12,33
